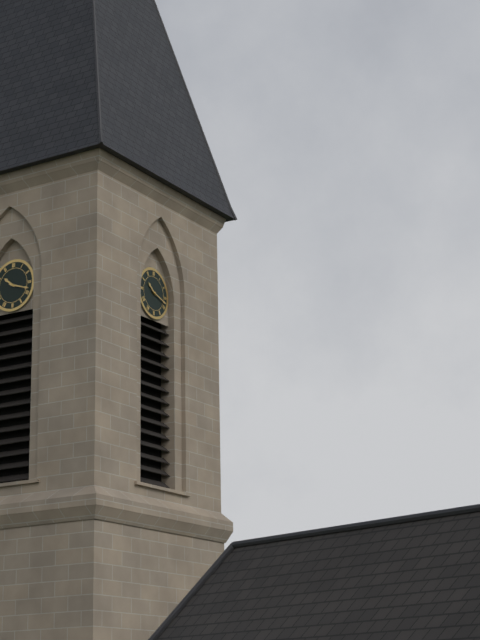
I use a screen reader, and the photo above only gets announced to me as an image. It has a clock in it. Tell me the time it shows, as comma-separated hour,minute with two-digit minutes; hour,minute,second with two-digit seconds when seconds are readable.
10,18
